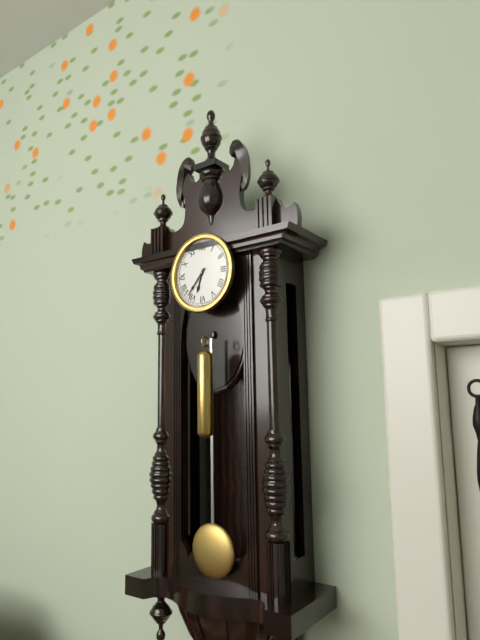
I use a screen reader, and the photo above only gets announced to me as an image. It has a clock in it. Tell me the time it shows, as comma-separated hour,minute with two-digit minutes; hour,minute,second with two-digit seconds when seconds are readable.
6,37
